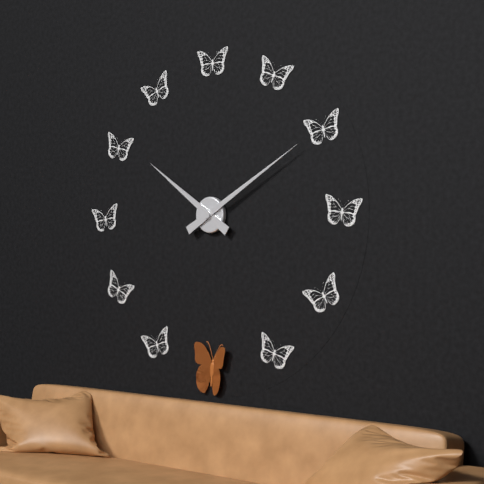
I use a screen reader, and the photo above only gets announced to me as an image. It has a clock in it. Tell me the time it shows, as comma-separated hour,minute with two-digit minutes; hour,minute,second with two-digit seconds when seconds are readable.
10,10
